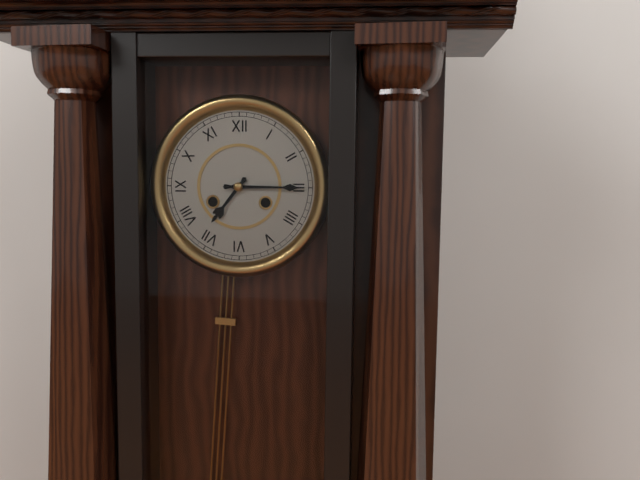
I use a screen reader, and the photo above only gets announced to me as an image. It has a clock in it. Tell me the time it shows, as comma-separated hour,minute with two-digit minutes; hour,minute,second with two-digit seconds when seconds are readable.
7,15
